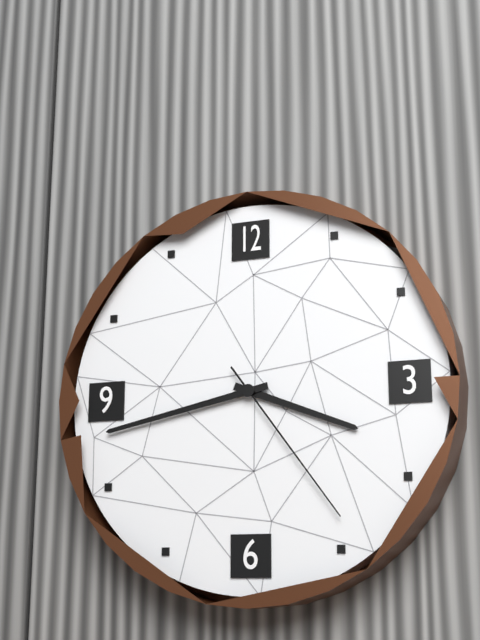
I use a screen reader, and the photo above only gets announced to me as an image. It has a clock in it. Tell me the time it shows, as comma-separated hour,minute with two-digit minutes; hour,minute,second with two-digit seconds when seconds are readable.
3,43,24
